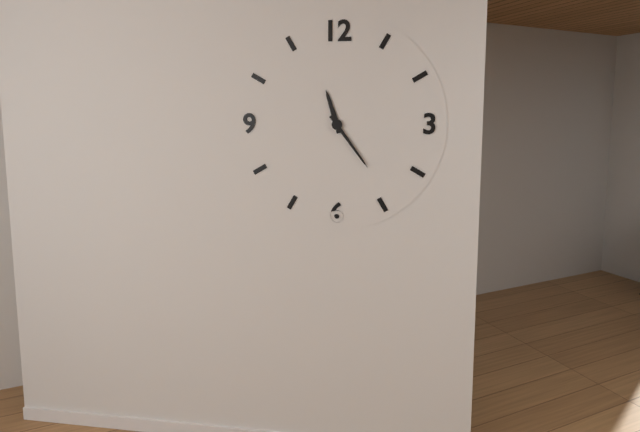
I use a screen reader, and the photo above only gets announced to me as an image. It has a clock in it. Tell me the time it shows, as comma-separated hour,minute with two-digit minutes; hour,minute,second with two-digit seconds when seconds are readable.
11,24
